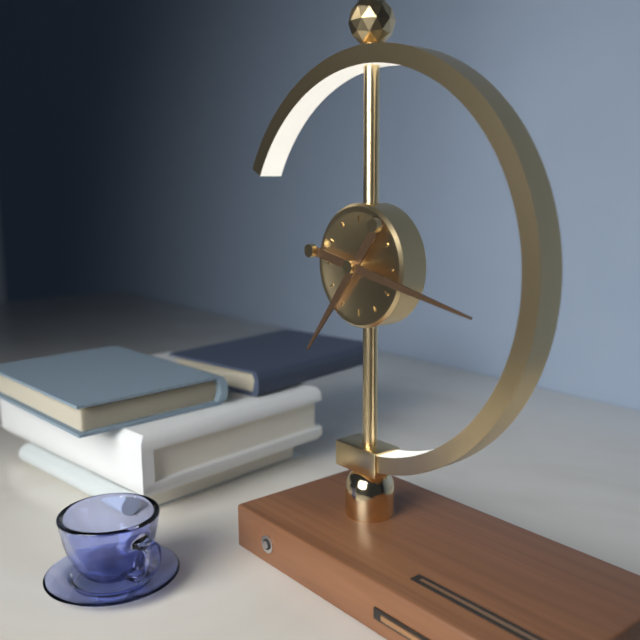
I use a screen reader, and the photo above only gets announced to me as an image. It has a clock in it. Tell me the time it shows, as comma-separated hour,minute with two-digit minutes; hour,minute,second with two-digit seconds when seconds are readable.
7,17
